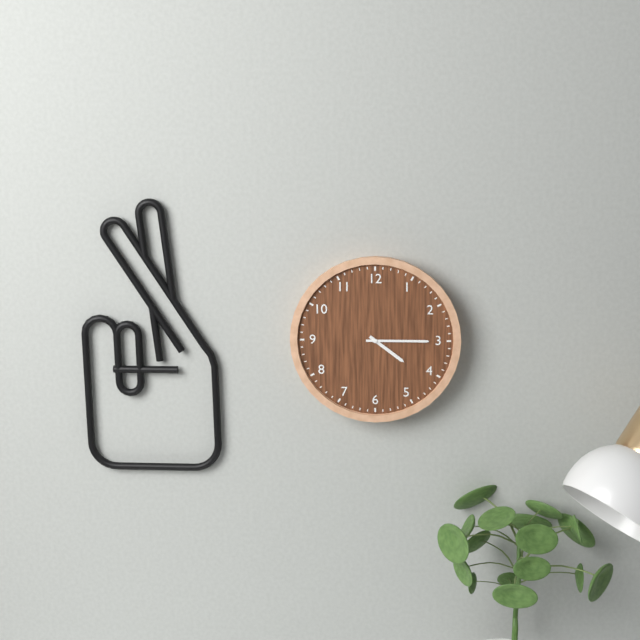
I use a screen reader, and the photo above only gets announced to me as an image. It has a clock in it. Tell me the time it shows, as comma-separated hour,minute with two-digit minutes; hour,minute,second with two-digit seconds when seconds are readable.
4,15
